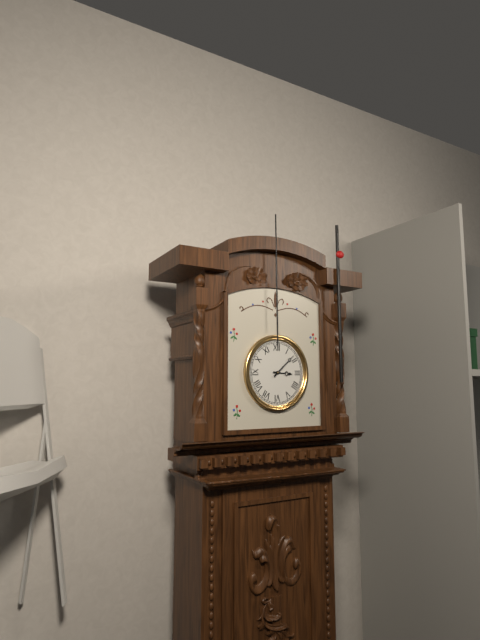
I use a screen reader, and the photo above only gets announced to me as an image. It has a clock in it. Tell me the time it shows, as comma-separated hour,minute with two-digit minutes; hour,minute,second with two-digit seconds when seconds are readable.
3,08
